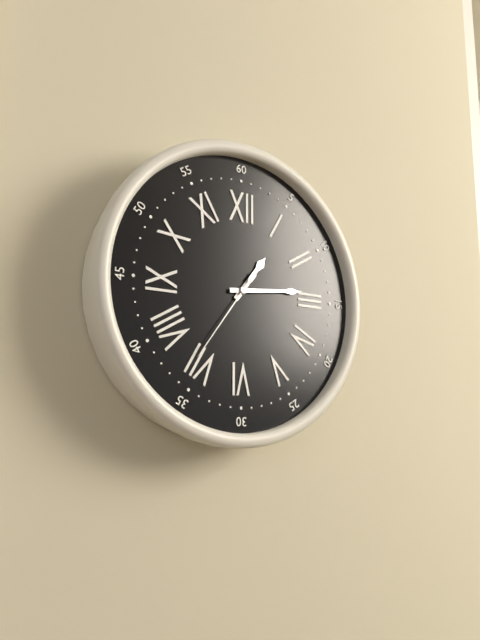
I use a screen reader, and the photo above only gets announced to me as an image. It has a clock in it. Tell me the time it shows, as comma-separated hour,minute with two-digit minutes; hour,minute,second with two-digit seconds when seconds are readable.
1,14,36
